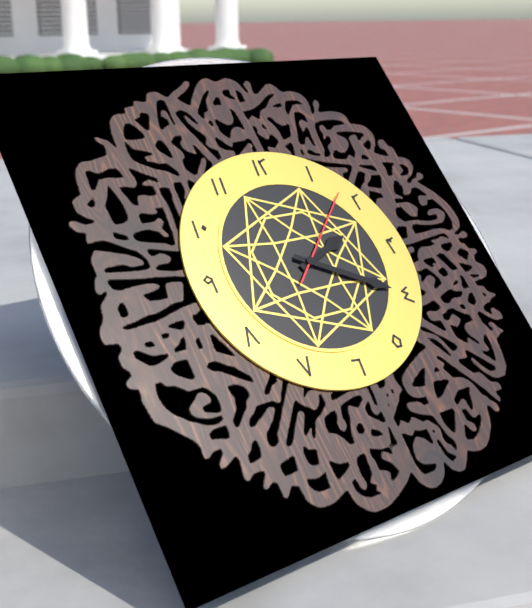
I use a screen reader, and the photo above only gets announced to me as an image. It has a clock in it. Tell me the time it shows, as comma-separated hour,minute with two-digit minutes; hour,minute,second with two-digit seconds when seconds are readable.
2,20,08
